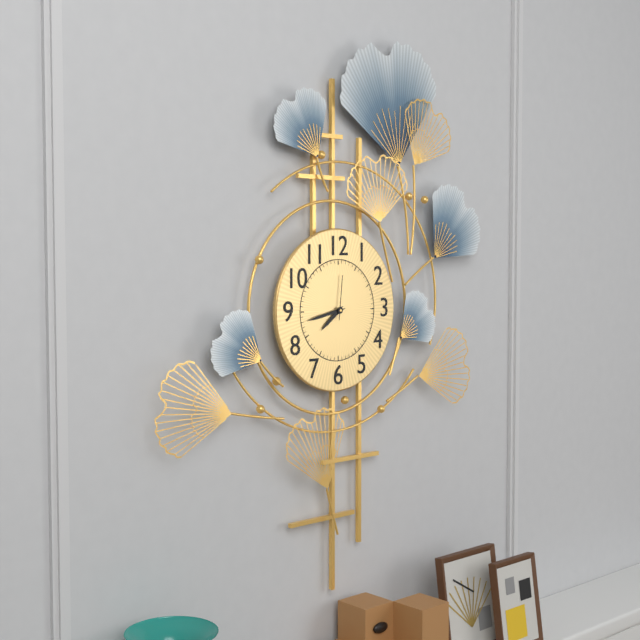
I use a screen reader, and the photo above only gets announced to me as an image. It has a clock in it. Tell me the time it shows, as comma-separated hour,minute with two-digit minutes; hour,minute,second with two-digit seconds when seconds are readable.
7,43
